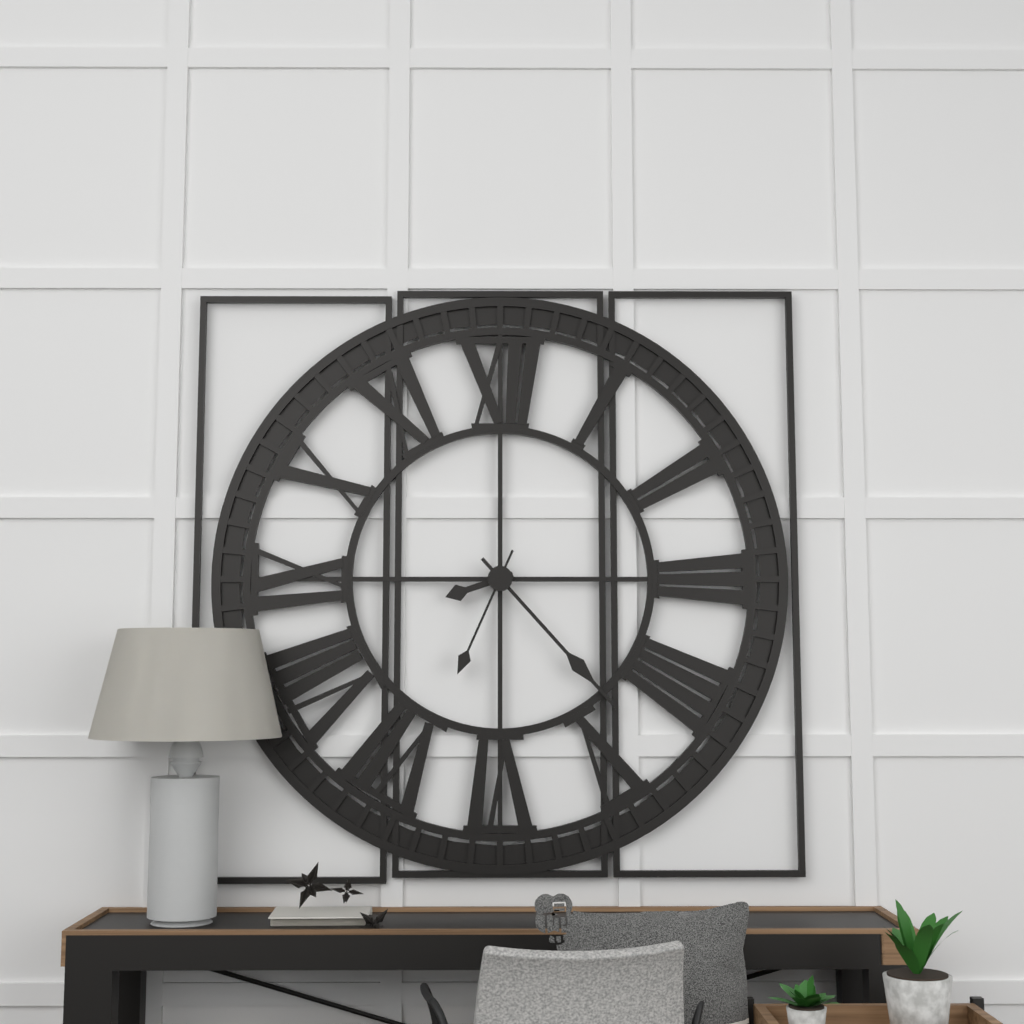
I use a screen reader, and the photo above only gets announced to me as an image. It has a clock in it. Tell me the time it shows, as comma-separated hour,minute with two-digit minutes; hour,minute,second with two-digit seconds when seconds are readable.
8,23,34
